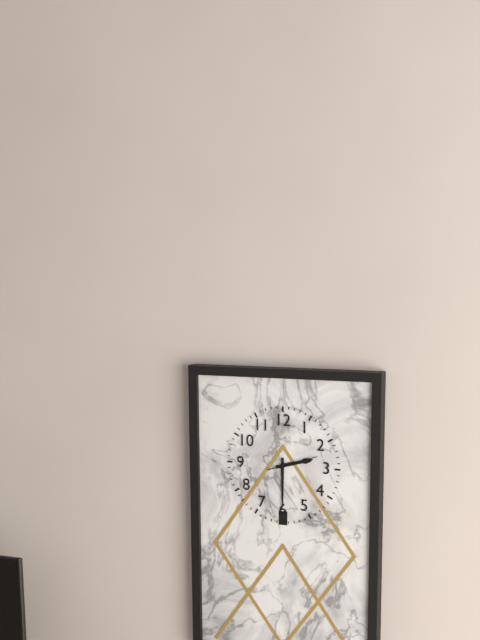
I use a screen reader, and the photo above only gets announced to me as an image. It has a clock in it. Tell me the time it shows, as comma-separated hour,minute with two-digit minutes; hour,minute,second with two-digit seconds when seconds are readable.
2,30
